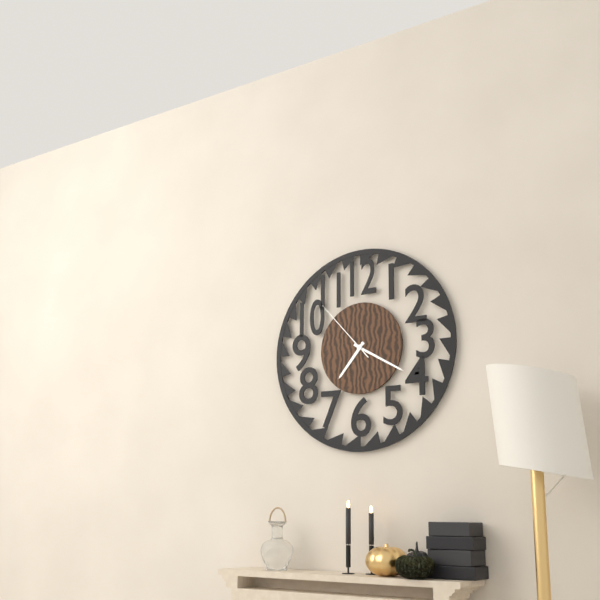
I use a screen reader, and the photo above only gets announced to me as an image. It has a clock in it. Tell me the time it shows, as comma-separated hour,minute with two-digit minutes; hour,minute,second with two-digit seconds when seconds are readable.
7,20,53
